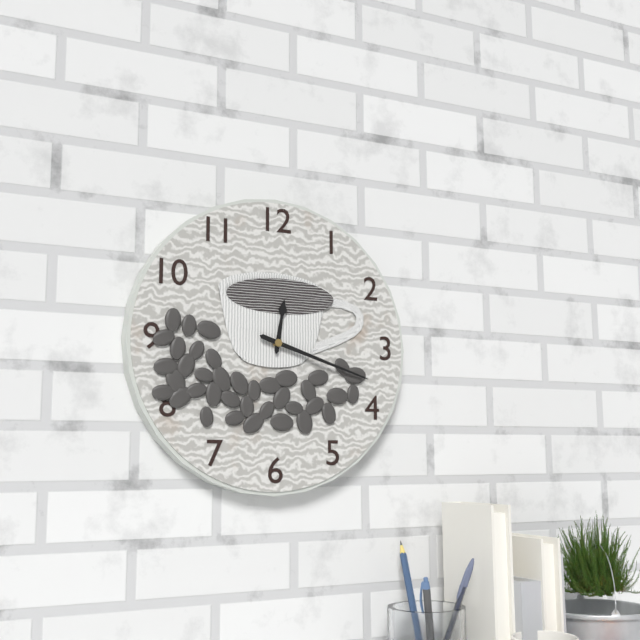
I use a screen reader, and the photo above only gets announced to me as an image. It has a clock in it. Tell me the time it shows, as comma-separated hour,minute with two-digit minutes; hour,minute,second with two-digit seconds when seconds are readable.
12,18
